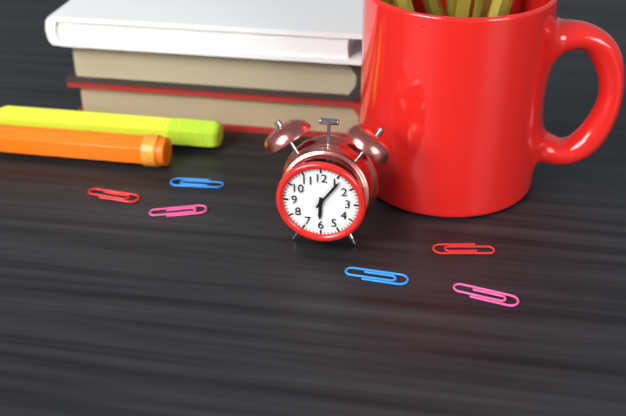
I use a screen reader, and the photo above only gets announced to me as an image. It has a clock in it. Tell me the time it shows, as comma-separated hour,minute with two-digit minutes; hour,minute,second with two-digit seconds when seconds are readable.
6,06
